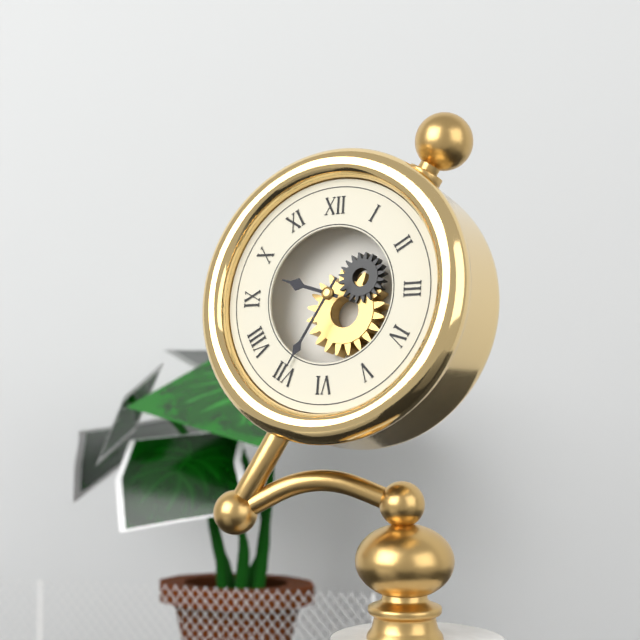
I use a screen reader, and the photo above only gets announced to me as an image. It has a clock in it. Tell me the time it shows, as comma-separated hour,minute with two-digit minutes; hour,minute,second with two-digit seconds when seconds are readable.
9,35
